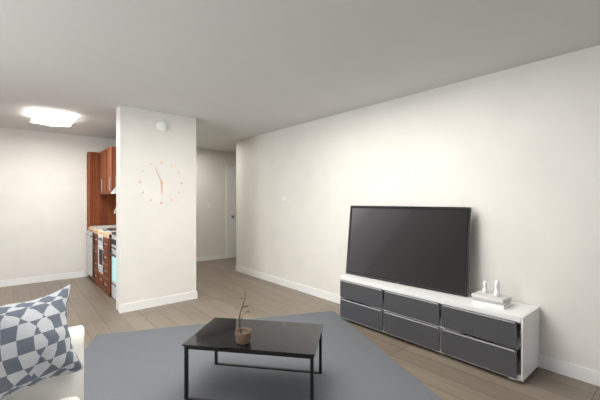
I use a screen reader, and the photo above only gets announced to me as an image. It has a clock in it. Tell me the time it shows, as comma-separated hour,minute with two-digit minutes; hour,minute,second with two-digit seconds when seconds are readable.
5,56
